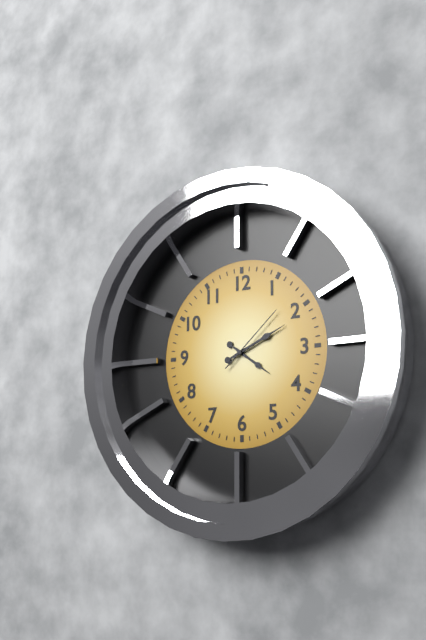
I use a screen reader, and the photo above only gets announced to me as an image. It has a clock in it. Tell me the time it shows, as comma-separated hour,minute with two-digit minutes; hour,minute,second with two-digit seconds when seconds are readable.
4,11,08
